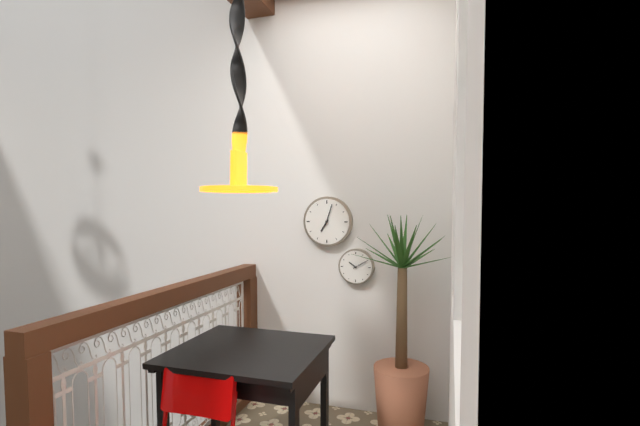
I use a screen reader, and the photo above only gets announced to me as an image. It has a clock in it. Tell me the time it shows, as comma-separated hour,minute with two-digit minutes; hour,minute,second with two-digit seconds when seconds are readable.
7,03
